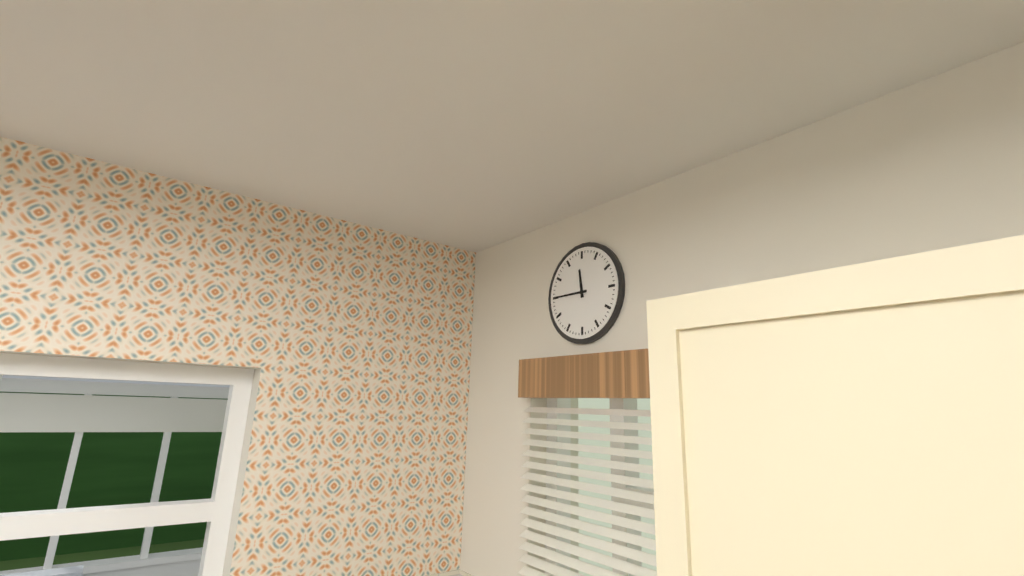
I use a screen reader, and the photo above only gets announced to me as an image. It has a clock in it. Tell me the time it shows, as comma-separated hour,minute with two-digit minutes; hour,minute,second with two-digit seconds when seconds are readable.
11,45
